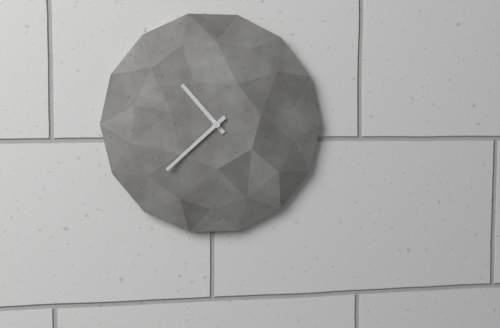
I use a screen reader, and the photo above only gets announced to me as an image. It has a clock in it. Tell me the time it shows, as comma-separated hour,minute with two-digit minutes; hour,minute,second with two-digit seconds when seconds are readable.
10,38
